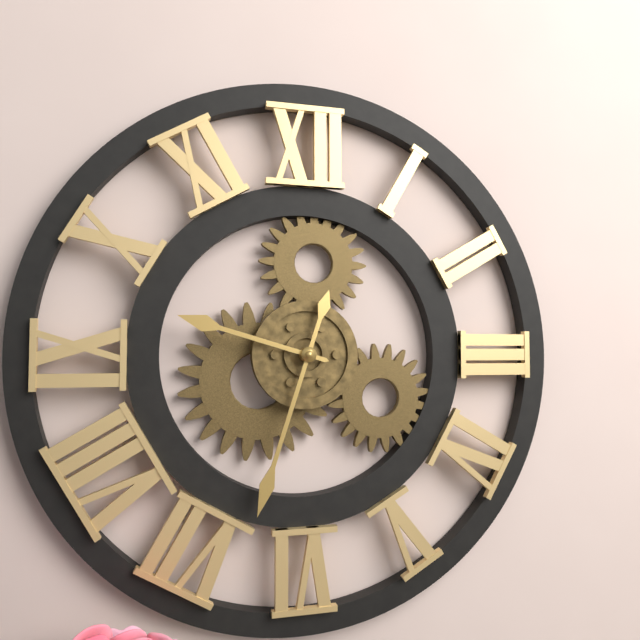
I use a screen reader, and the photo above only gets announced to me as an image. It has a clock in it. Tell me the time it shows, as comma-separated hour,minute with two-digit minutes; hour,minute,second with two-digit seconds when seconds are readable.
9,33
